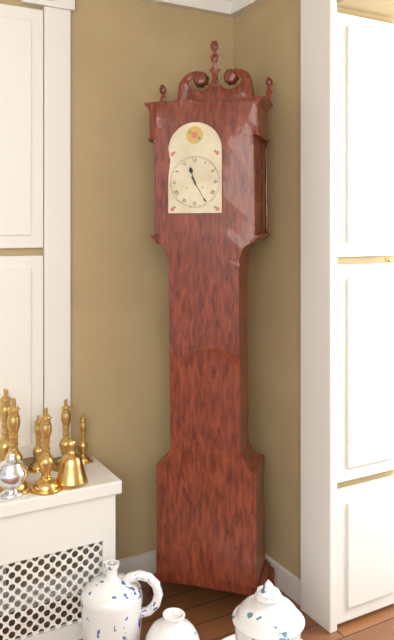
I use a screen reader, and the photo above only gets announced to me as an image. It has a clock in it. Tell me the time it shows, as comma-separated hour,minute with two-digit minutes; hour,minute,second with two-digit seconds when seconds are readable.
11,25
